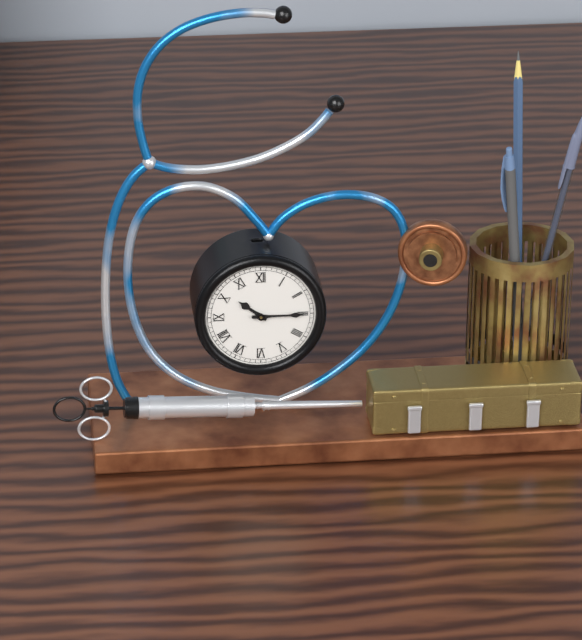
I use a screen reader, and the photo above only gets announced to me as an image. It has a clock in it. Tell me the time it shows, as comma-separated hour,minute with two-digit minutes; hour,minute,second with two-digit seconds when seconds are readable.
10,15
